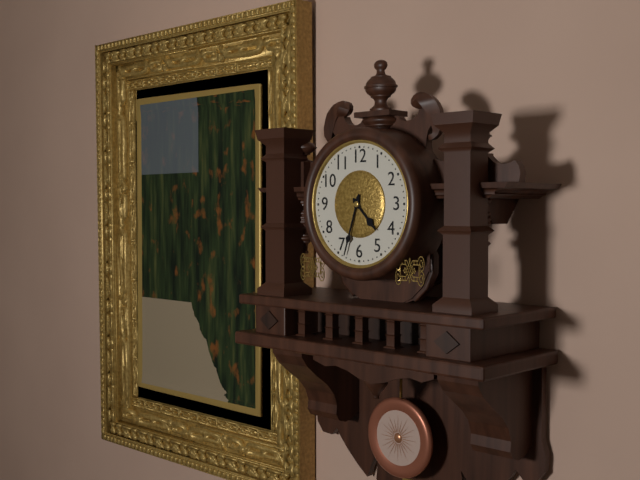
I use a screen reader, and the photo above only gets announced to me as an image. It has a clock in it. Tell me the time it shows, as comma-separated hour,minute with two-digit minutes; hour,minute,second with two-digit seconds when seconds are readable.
4,33
